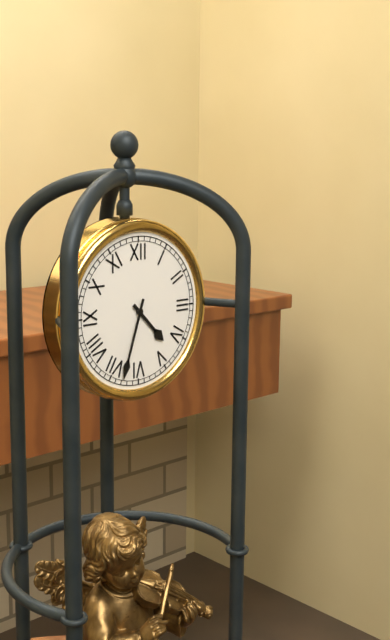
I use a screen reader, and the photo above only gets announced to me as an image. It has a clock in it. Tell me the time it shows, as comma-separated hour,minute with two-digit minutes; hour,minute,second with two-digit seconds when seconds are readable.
4,33
